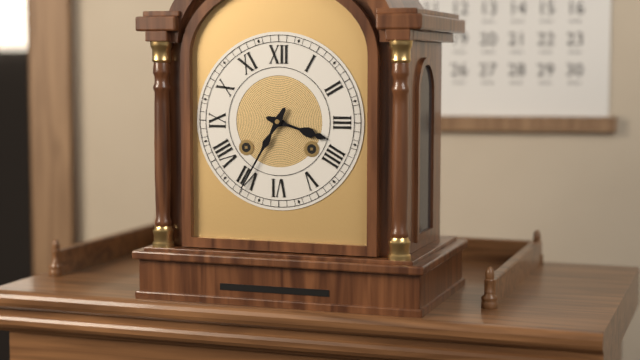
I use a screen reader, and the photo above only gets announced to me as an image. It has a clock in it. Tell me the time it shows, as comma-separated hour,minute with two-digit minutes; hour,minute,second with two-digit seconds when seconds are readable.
3,35
